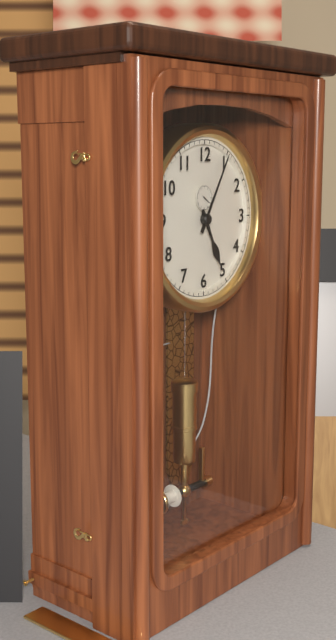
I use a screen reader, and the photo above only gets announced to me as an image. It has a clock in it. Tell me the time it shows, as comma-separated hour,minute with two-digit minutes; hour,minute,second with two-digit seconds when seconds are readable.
5,05
